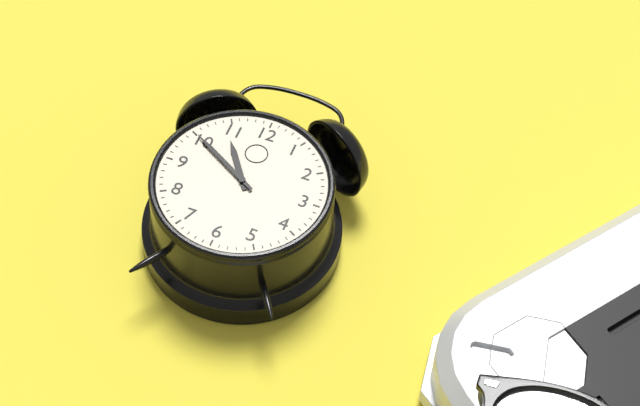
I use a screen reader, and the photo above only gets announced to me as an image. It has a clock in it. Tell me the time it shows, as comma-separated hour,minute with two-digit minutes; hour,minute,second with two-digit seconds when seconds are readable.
10,50
